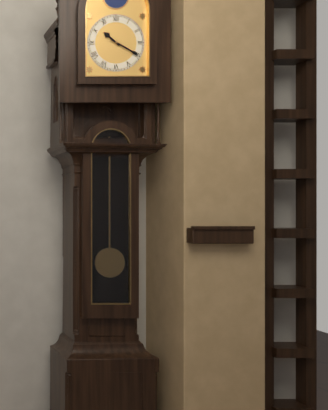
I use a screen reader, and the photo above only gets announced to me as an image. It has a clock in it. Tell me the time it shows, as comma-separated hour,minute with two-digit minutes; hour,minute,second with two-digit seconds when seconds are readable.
10,20
